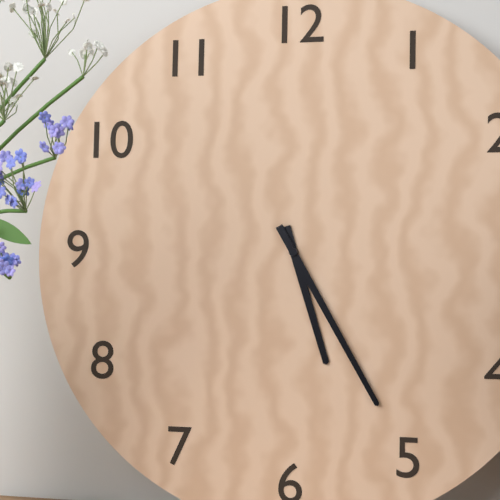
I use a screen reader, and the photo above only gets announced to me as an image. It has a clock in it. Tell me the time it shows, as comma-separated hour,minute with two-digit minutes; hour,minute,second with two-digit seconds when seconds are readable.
5,25
